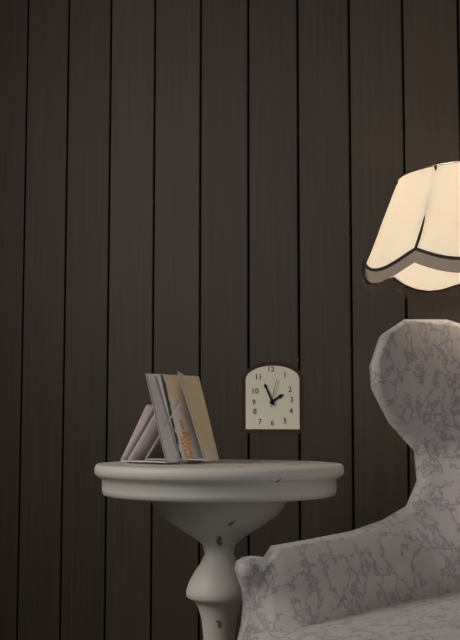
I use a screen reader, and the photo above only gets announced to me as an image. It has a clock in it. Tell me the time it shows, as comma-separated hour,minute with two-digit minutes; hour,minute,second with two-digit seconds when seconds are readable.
1,56
